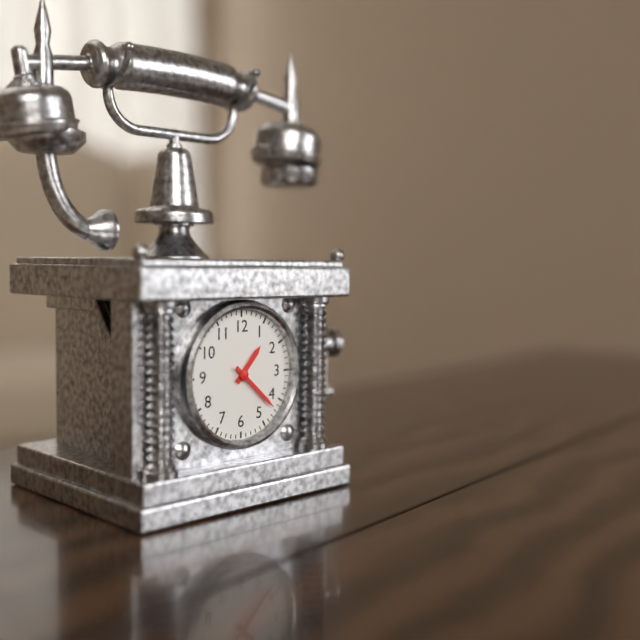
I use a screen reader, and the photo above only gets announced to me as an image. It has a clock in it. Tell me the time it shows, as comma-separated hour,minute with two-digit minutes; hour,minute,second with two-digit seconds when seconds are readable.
1,22
